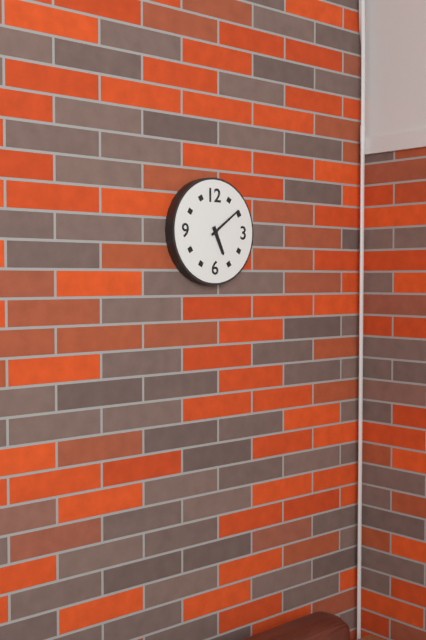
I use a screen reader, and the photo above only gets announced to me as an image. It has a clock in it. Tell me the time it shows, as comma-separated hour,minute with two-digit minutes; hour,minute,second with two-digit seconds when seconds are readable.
5,09
